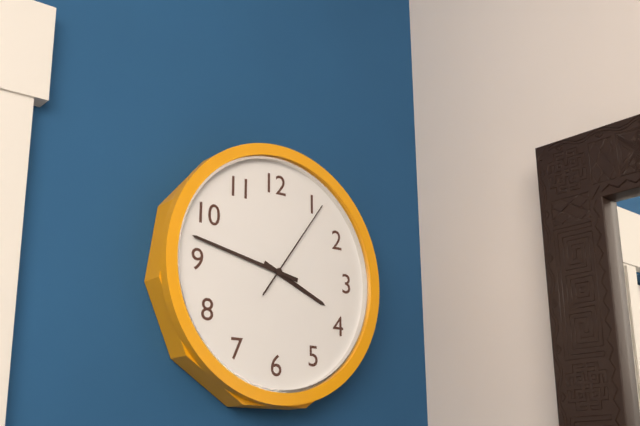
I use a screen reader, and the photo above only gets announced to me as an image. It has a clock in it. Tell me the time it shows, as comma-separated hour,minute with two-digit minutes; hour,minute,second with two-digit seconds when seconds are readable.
3,47,06
